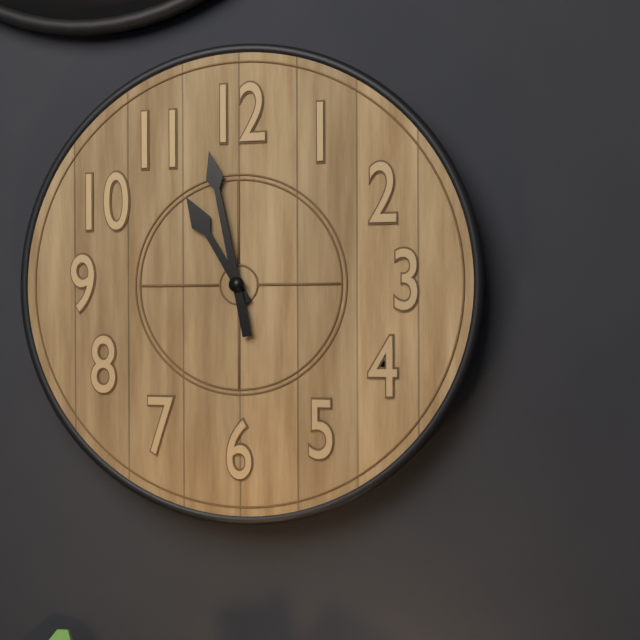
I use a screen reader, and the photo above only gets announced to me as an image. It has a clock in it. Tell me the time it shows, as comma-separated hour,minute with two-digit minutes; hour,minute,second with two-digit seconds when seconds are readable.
10,58
